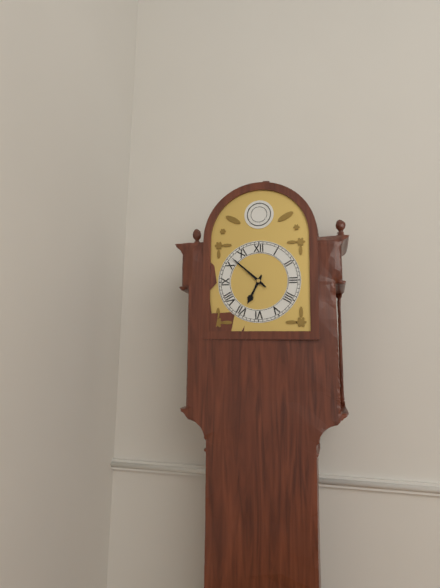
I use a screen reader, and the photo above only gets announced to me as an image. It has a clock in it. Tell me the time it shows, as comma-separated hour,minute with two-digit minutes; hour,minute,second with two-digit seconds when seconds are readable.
6,52
